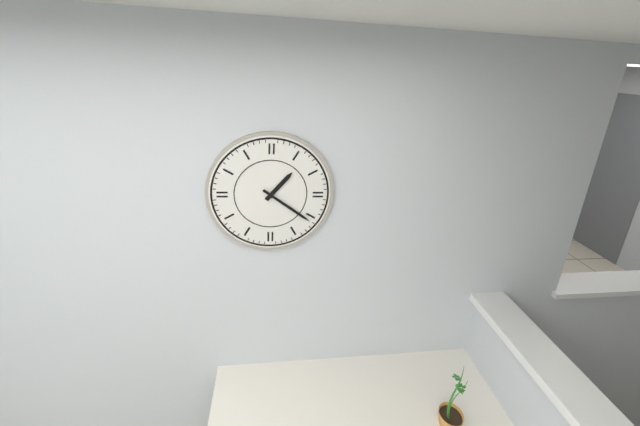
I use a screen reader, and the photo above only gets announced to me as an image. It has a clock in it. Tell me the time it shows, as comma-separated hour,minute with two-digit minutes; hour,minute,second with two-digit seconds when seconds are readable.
1,21
